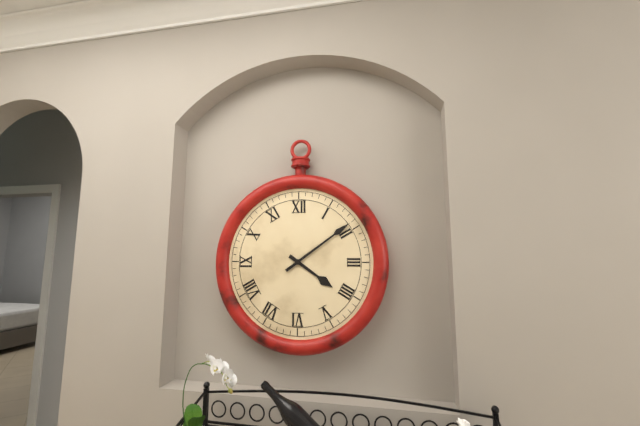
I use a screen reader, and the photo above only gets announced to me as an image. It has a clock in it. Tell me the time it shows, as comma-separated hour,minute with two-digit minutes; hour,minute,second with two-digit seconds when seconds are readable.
4,09
